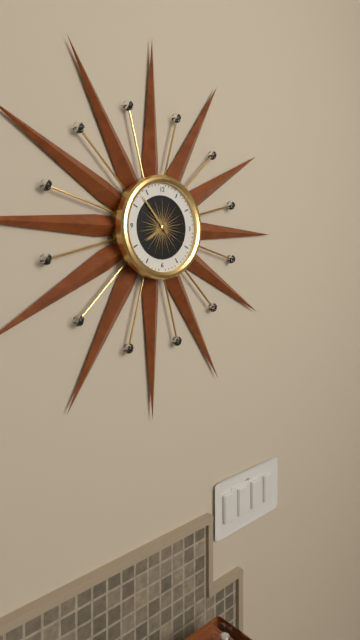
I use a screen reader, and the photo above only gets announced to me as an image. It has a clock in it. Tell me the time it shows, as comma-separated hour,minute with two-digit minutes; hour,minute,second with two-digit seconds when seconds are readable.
7,53
